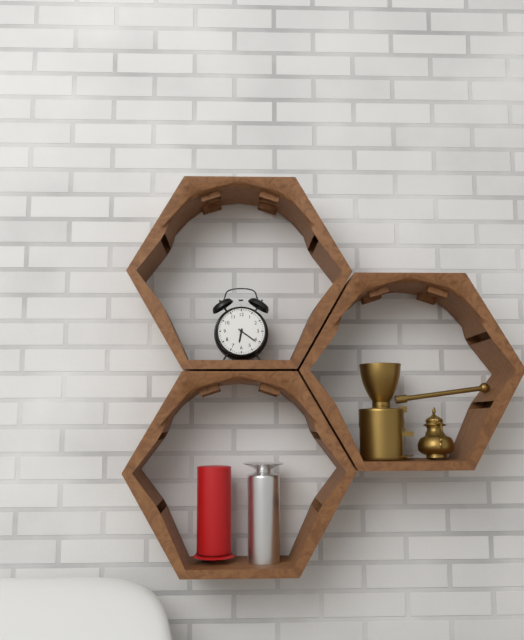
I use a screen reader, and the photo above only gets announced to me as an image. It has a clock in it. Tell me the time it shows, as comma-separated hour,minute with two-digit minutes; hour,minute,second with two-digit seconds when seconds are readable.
6,21
